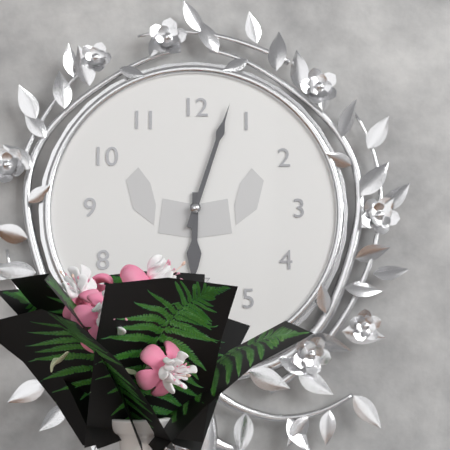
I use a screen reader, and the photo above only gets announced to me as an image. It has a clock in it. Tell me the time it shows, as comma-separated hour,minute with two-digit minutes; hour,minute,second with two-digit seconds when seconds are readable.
6,03
